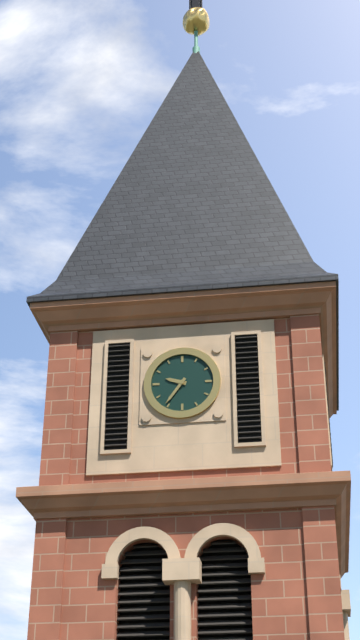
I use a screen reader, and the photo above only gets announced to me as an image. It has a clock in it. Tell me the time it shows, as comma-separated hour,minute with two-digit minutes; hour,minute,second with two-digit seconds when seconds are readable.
9,36
